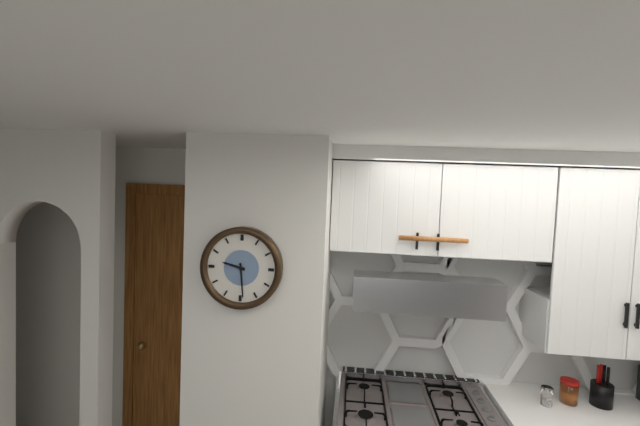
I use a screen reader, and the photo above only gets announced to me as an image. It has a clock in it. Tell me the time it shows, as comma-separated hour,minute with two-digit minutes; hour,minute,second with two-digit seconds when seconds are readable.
9,29
